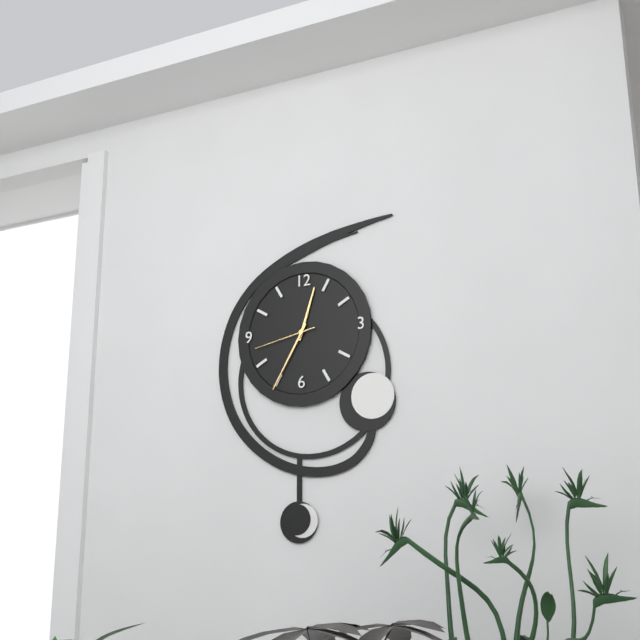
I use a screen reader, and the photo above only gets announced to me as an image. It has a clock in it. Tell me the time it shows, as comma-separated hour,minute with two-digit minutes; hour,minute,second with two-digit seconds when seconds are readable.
12,35,43
